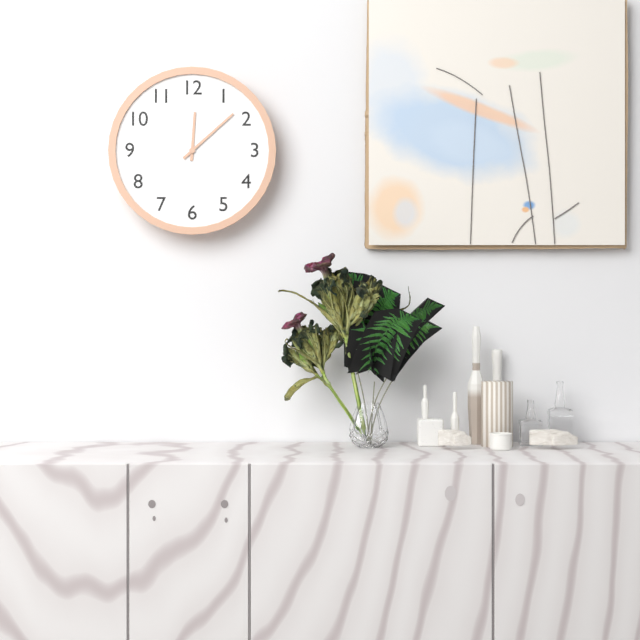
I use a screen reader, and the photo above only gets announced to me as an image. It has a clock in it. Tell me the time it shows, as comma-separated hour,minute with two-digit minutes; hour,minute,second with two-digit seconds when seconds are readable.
12,08
